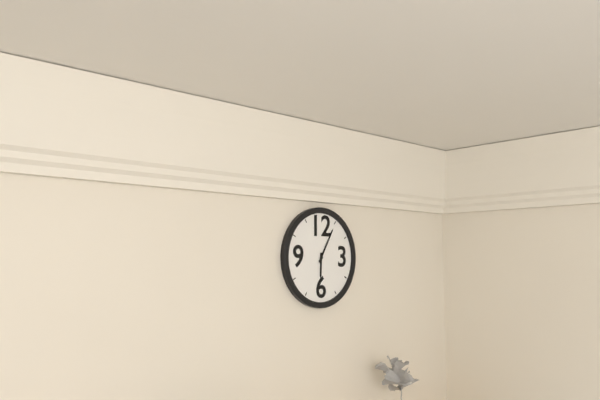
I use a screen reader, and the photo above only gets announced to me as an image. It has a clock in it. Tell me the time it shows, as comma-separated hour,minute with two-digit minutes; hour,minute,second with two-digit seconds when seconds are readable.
6,05
